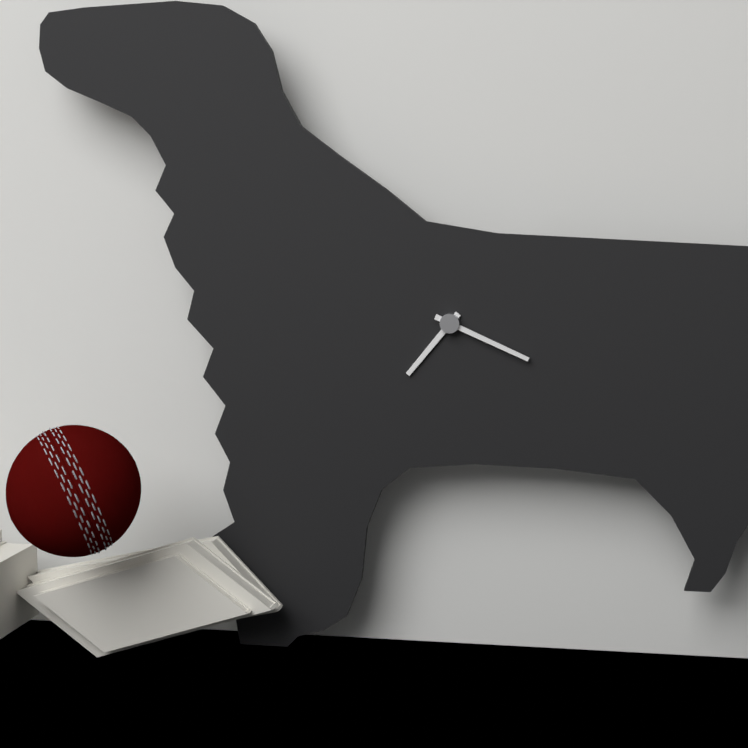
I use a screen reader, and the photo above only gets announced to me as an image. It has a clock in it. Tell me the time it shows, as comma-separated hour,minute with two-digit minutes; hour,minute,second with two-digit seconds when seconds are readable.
7,19
